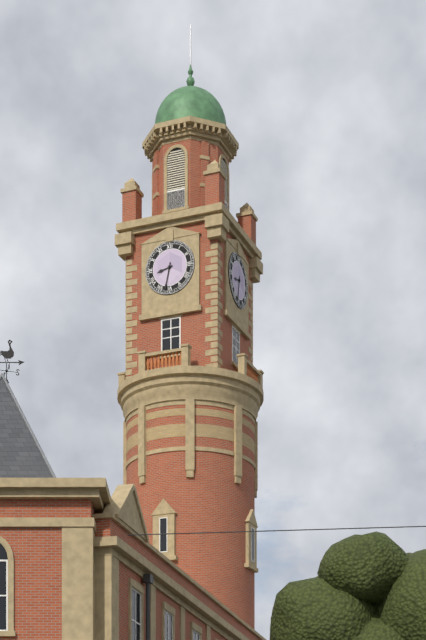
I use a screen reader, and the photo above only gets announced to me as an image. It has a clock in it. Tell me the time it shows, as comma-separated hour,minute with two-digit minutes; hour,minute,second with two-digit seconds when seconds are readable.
8,32
